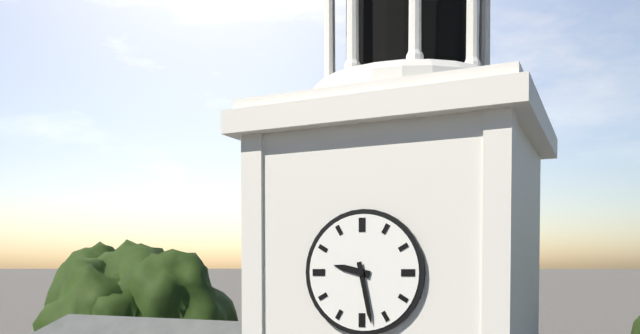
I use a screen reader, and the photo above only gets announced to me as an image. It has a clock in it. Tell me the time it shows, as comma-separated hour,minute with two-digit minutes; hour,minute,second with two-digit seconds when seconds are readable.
9,28
